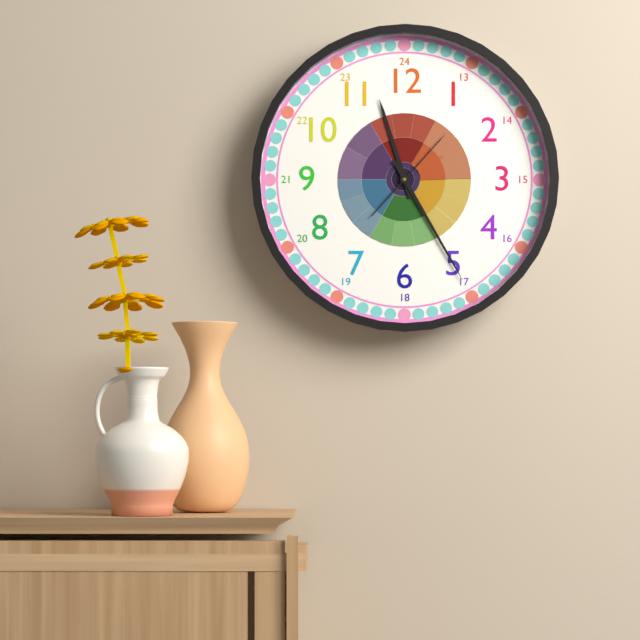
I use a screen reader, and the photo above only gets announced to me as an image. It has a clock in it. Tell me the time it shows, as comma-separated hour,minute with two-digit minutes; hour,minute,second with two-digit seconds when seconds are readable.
11,25,07
